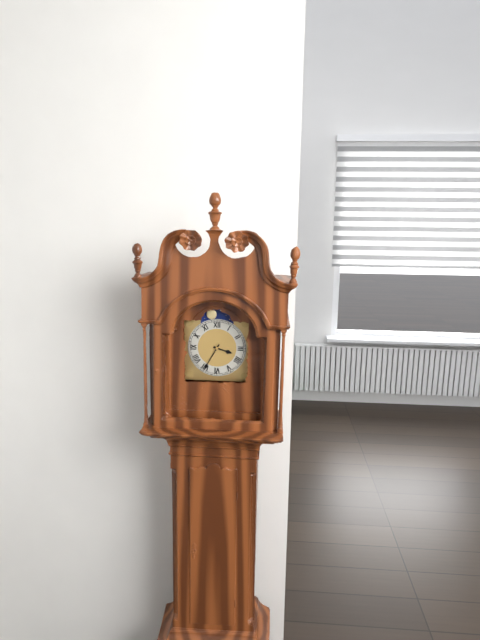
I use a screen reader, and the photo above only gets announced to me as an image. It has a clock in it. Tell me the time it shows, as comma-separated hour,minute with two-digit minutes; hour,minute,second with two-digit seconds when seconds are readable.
3,35
